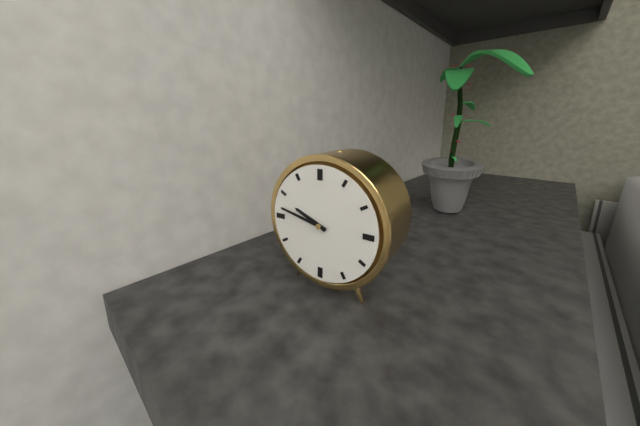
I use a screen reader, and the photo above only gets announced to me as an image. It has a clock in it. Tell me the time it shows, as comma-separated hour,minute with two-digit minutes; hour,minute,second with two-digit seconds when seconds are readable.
9,47
